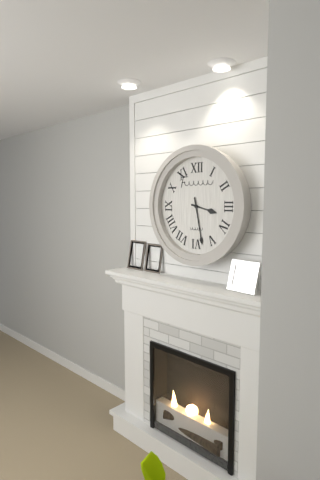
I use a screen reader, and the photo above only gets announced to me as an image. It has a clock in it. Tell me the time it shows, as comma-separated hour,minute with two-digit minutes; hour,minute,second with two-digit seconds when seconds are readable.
3,28
